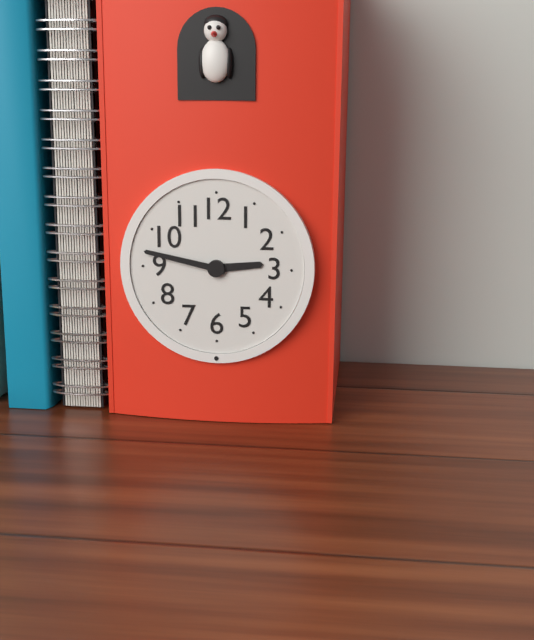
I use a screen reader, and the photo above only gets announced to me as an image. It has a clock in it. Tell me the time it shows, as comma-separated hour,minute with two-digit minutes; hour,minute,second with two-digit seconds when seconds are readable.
2,47
